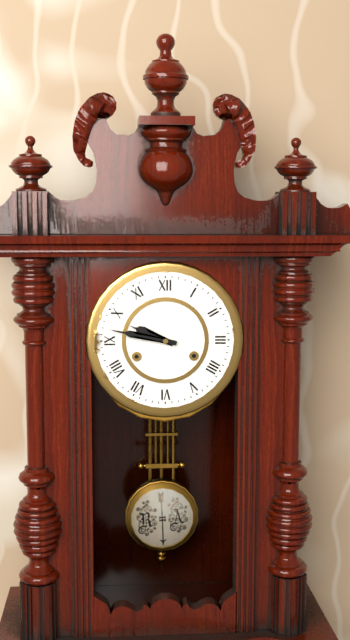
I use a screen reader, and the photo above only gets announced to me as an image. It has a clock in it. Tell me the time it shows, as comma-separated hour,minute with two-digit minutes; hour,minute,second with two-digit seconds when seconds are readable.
9,47
